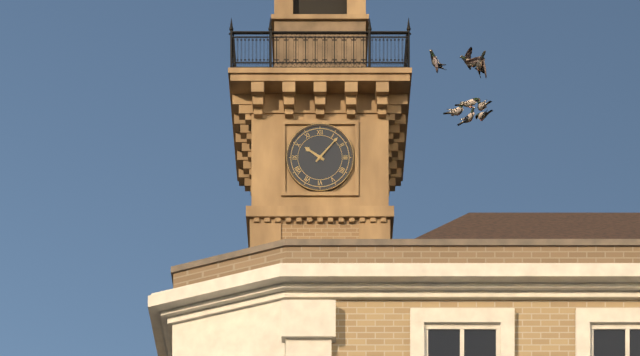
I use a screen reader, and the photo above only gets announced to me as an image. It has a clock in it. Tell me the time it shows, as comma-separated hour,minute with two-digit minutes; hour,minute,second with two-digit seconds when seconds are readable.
10,07
